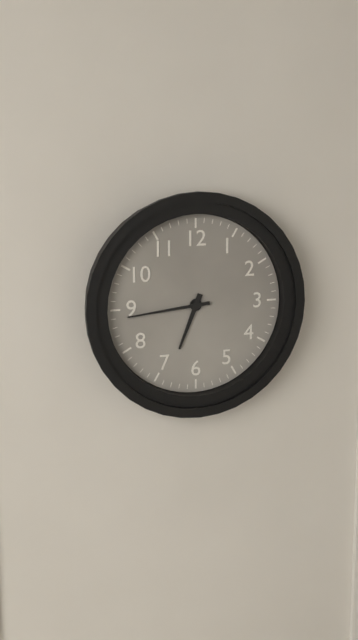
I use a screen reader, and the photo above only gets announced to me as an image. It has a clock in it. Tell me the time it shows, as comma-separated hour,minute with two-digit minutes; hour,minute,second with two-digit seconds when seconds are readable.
6,44
